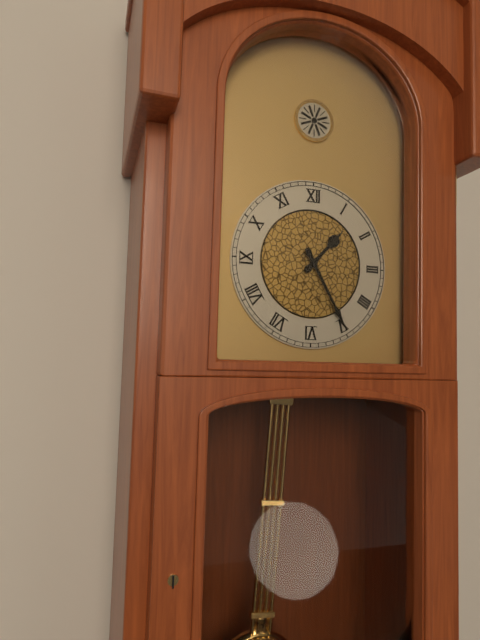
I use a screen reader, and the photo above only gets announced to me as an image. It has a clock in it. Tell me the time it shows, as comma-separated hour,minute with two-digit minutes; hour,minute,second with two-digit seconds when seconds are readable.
1,25
